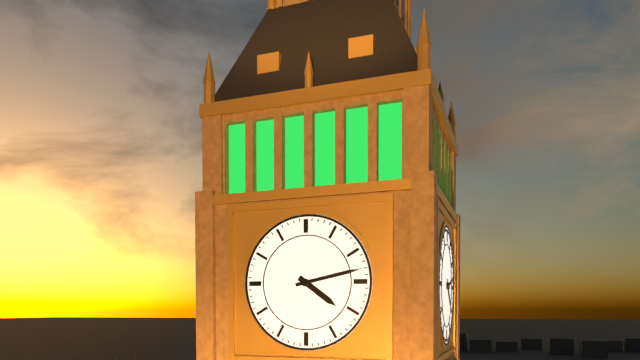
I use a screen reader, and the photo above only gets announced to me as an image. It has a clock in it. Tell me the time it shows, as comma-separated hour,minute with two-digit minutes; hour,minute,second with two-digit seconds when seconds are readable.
4,13
